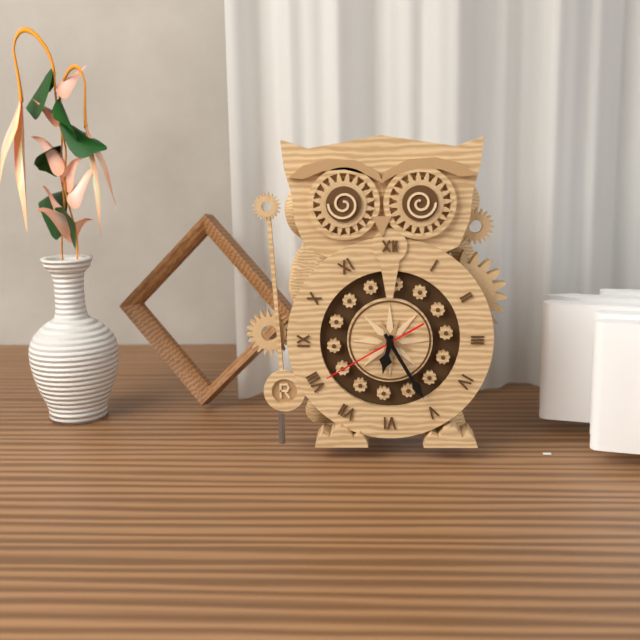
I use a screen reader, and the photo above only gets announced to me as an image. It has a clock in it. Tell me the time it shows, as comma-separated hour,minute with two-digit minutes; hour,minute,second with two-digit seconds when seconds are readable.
6,25,40
